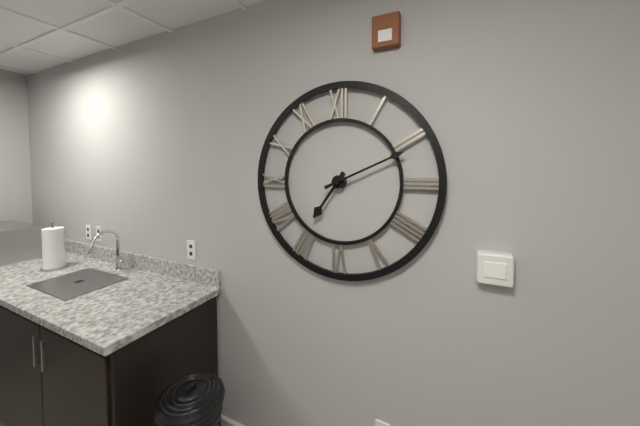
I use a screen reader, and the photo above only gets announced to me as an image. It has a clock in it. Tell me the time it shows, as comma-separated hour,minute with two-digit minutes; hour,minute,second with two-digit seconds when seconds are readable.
7,11
